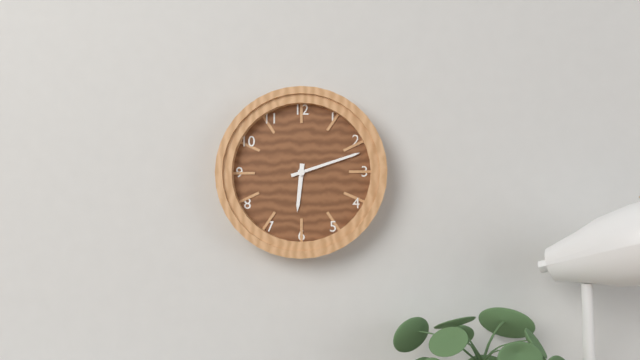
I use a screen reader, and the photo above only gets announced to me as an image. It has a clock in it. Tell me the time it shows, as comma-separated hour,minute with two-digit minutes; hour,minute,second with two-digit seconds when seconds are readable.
6,12
